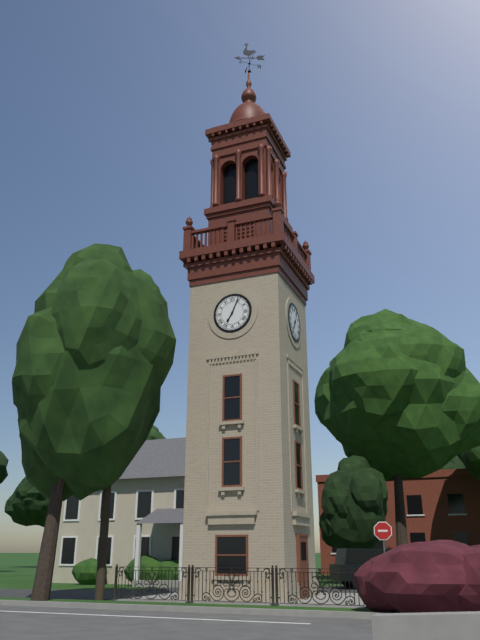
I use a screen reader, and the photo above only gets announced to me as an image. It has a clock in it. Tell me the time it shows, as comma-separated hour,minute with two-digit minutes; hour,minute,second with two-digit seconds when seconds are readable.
7,04
